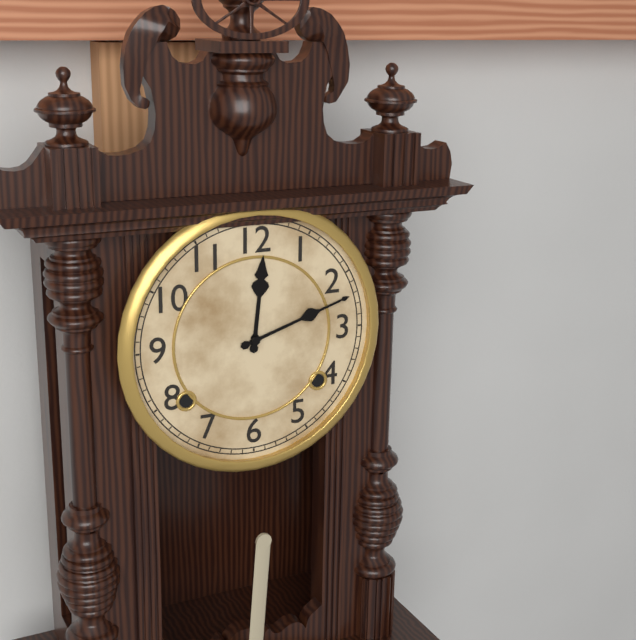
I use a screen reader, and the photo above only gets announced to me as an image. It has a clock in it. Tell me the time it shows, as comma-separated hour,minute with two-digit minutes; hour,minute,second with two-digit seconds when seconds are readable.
12,12
